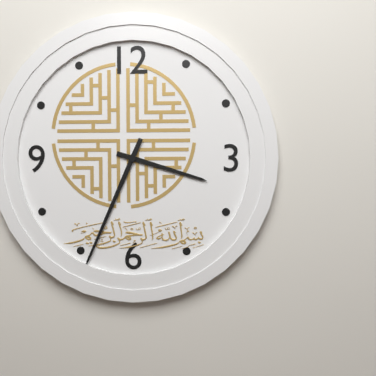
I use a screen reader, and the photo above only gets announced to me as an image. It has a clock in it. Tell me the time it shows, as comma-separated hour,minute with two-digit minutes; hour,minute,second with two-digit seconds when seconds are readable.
3,34
